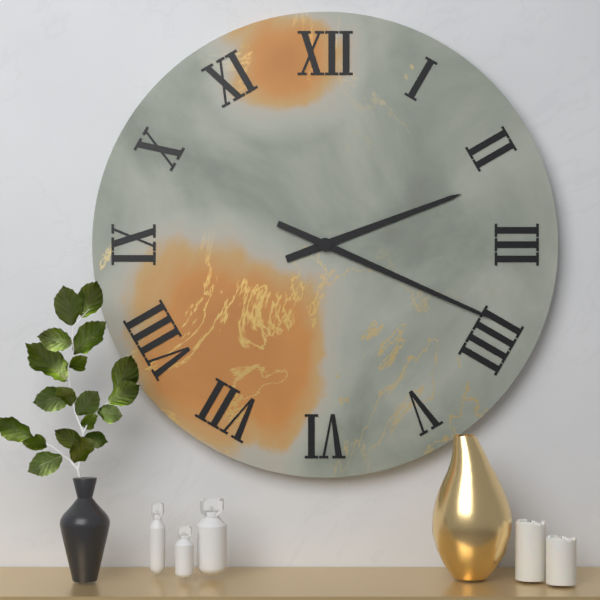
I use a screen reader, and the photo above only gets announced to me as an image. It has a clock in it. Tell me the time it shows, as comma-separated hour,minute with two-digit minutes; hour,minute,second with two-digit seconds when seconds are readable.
2,19
